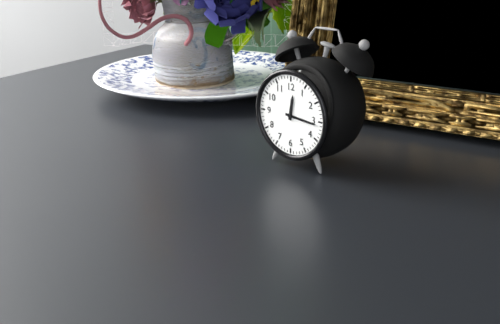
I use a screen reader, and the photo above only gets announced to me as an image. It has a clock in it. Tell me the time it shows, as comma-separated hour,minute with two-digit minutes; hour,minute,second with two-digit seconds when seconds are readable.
12,16
